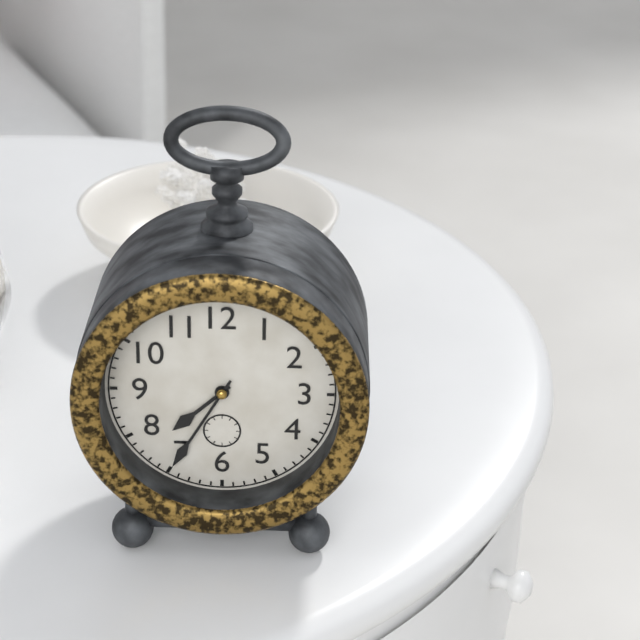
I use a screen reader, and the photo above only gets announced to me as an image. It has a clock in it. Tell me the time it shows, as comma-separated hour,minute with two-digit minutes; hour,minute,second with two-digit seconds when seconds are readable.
7,35
